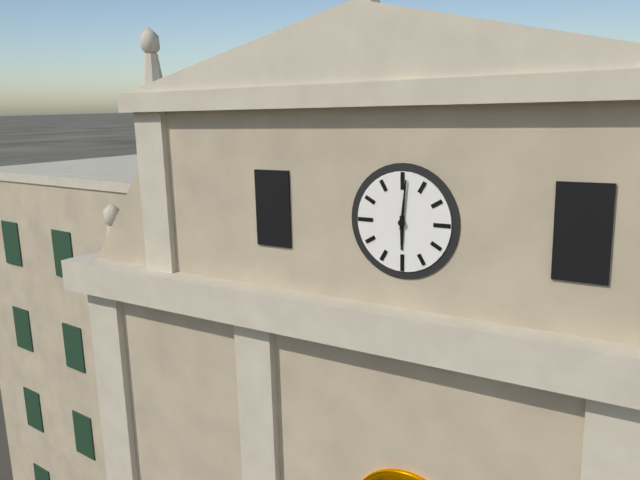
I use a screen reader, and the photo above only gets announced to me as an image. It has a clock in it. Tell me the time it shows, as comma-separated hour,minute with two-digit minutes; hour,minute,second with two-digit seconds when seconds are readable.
6,01
